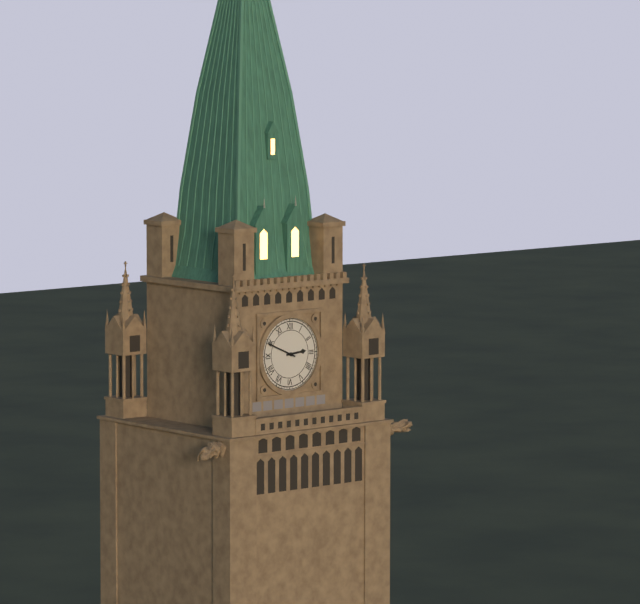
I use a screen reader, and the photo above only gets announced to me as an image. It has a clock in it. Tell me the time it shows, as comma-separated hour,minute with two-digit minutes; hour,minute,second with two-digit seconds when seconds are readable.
2,49
